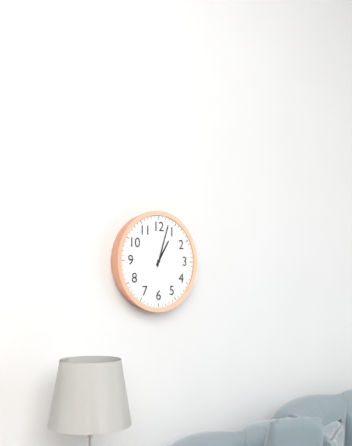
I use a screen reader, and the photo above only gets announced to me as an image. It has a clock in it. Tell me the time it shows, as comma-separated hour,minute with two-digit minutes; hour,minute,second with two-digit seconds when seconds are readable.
1,03
